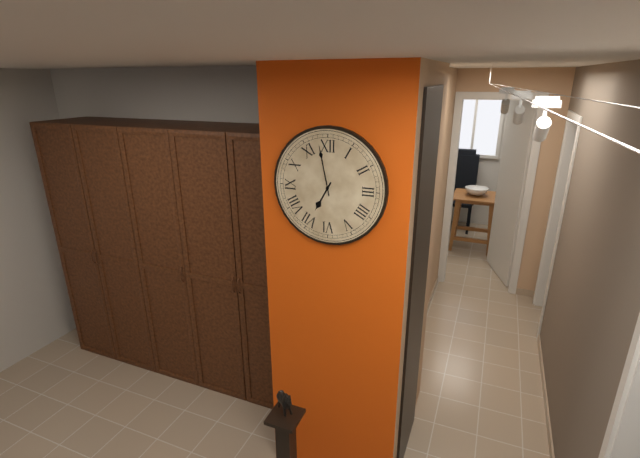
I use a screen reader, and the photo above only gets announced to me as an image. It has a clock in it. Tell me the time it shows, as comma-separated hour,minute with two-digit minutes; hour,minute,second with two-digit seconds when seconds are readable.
6,58
